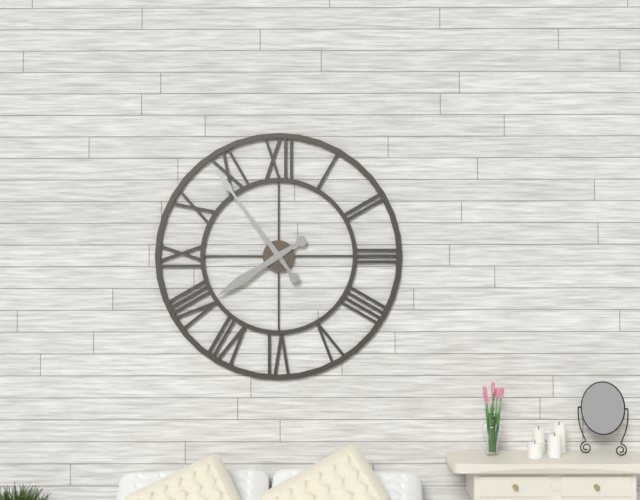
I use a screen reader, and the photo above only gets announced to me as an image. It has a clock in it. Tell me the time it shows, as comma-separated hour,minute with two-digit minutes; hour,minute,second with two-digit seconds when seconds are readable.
7,54
